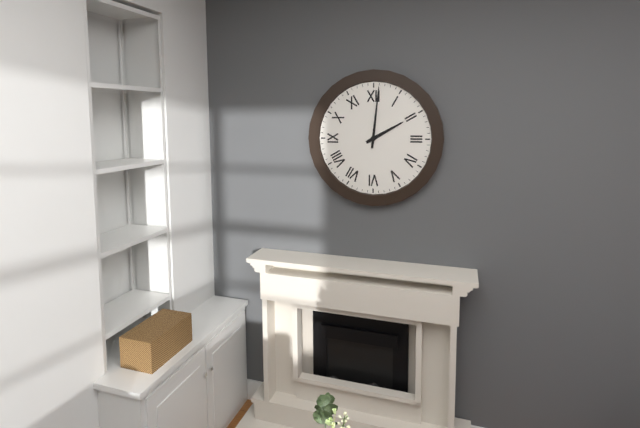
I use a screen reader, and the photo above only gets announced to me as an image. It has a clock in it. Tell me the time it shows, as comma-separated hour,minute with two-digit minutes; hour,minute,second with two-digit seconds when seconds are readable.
2,01
